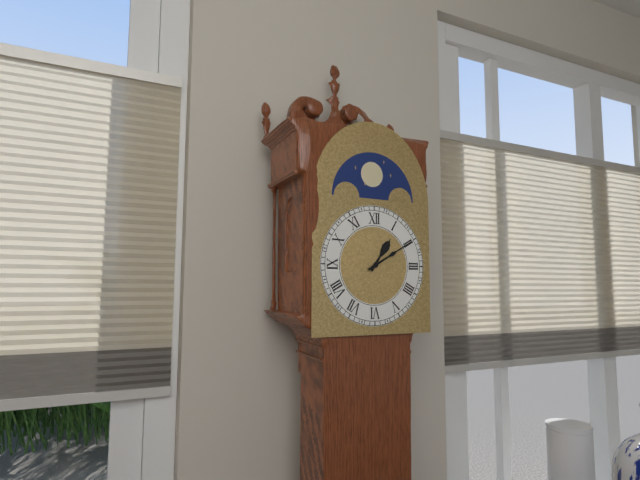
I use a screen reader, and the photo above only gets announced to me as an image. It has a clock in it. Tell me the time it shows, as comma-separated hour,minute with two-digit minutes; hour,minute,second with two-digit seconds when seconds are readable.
1,10
